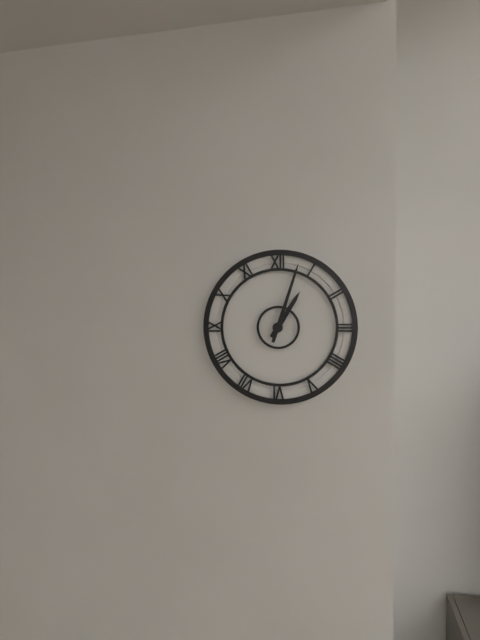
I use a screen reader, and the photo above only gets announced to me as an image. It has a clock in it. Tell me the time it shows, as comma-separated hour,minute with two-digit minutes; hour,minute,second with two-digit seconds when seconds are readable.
1,03
